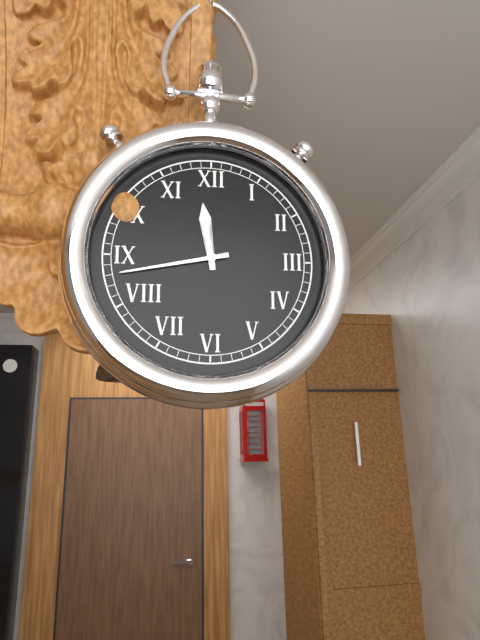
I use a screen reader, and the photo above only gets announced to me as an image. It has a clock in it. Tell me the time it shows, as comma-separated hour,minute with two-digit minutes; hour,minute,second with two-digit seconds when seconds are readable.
11,43
